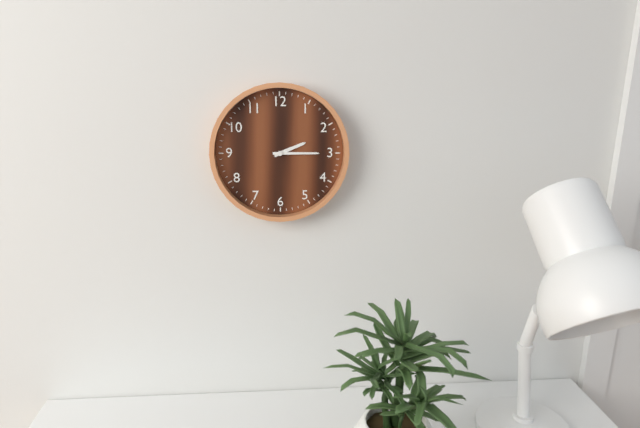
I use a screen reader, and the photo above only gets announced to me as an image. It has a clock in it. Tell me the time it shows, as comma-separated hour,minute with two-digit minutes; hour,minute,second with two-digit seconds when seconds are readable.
2,15
